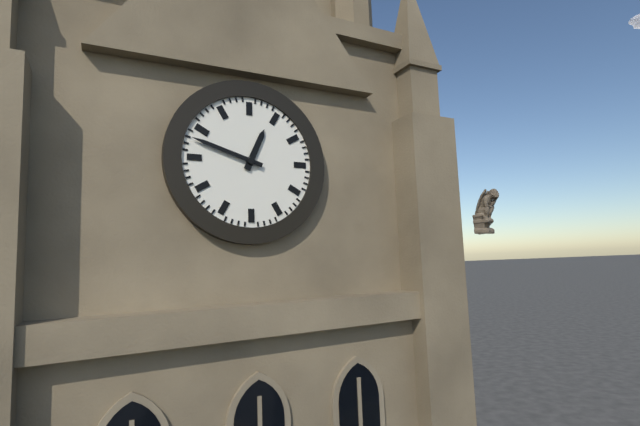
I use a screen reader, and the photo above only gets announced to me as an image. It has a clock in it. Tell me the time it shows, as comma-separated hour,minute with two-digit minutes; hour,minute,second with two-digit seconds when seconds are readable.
12,48
